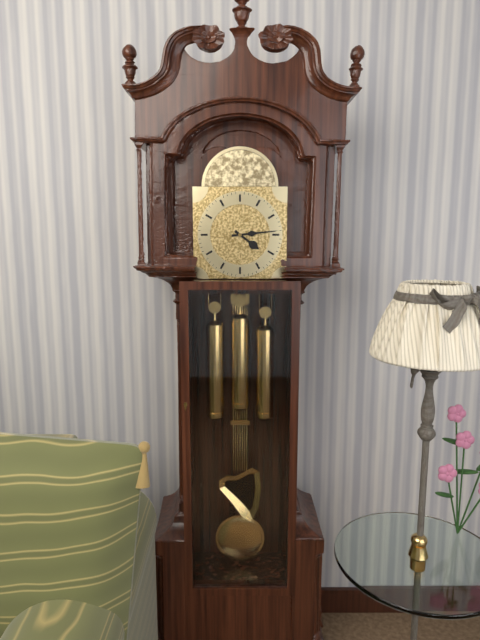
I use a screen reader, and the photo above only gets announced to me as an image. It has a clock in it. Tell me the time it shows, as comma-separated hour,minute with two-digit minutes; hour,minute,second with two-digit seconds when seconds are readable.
4,14
